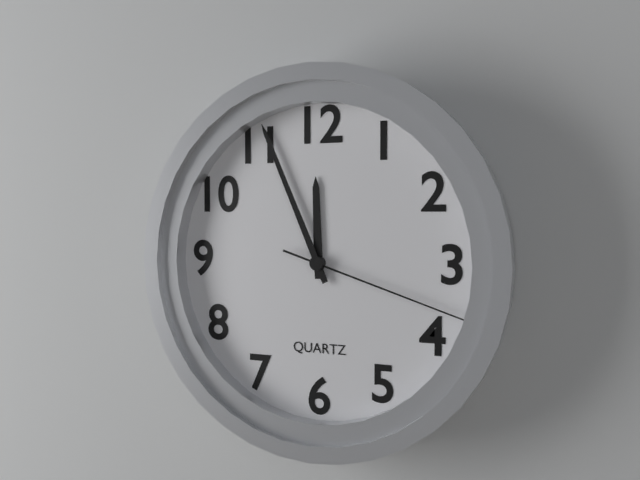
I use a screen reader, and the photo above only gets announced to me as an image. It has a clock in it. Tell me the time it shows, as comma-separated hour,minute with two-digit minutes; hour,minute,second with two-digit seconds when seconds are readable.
11,56,18
